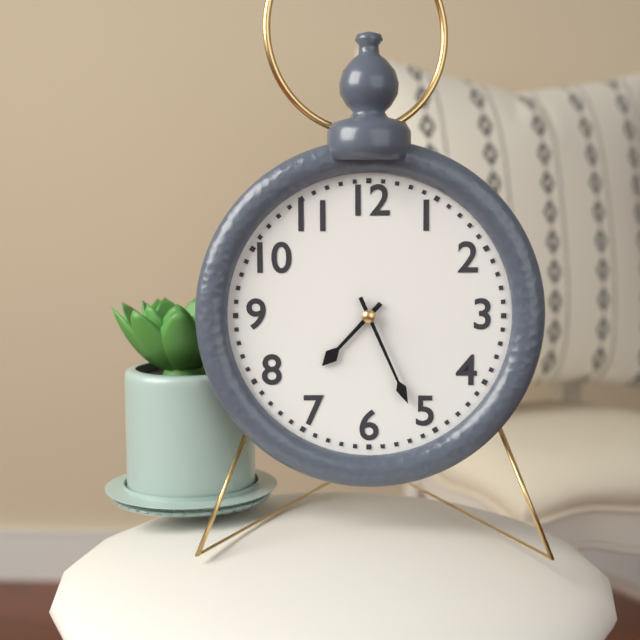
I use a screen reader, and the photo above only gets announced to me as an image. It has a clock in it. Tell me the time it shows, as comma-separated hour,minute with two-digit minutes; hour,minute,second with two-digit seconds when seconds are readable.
7,26
